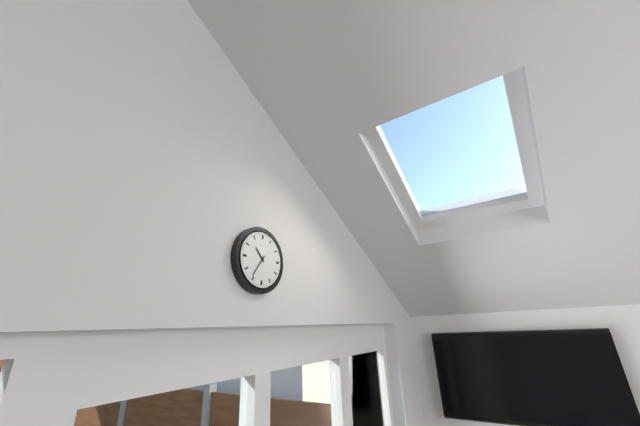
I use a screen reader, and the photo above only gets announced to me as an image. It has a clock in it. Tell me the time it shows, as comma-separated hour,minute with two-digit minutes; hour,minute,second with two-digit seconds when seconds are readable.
10,36
